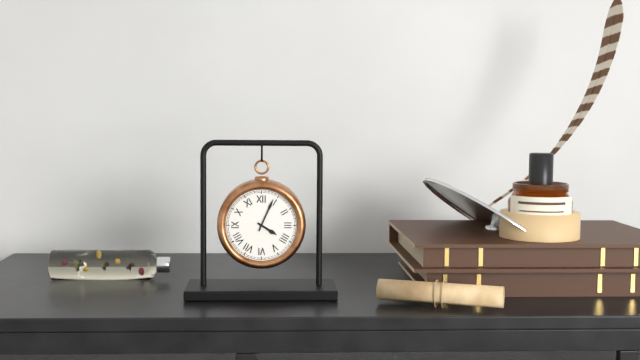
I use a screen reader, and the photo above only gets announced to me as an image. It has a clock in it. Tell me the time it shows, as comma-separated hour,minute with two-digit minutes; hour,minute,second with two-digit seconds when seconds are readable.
4,04
